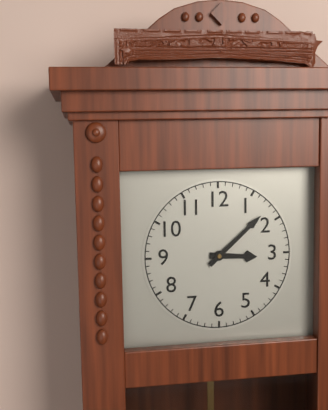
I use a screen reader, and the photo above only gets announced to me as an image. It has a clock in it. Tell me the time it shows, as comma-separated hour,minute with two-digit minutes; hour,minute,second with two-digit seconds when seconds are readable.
3,08
